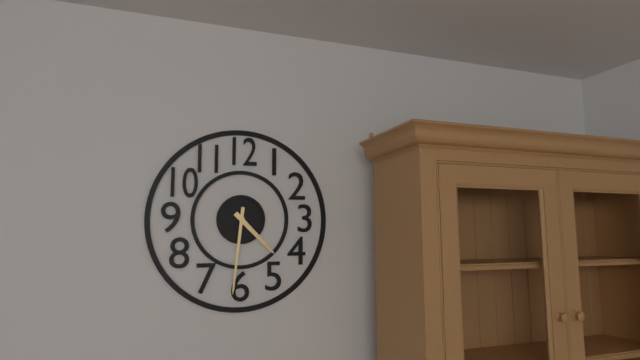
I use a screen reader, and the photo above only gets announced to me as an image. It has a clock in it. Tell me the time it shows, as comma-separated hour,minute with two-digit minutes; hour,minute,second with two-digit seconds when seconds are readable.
4,31
